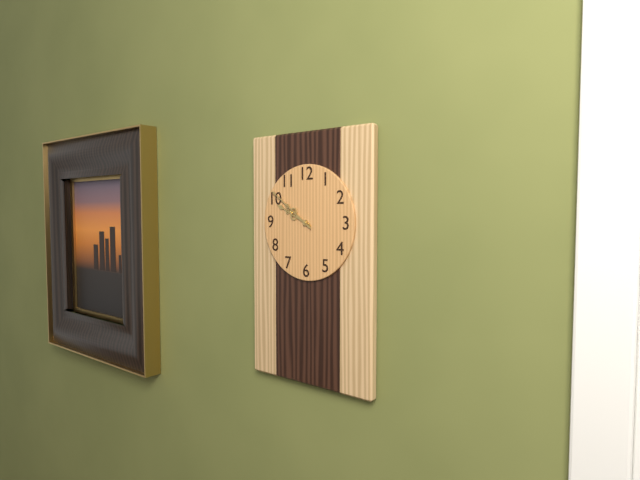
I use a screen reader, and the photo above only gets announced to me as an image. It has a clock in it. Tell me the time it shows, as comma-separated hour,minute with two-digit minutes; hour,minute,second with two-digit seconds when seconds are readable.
9,51
